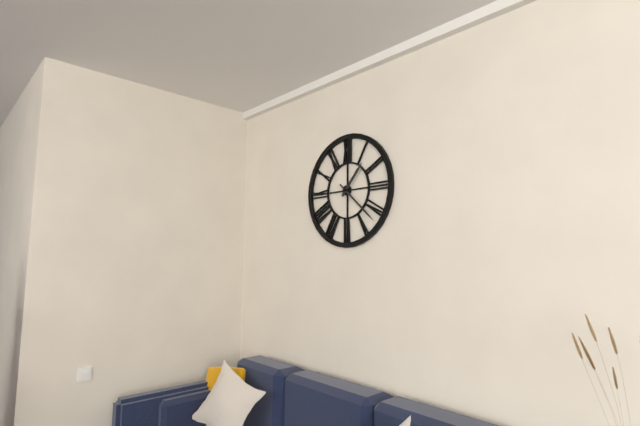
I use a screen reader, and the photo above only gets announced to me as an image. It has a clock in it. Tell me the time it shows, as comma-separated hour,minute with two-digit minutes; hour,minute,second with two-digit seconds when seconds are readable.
1,22
